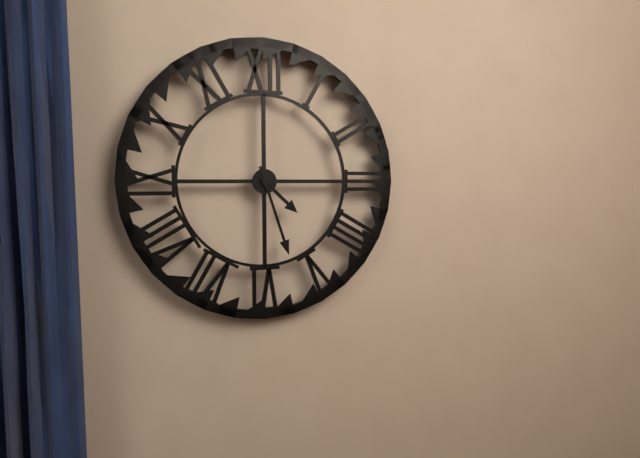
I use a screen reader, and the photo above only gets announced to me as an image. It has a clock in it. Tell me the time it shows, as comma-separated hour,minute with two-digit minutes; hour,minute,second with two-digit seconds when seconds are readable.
4,27
